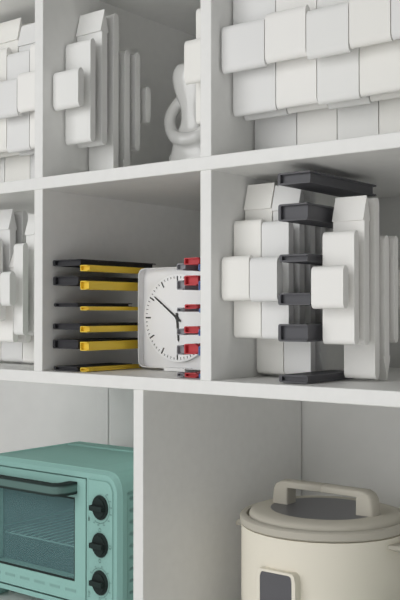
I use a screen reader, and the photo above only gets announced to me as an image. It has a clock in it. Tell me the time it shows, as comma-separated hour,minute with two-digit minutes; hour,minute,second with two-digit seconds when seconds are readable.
5,51
